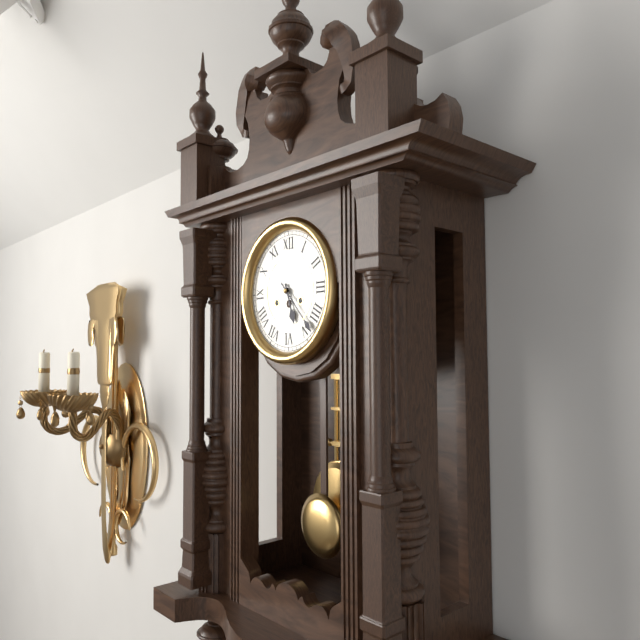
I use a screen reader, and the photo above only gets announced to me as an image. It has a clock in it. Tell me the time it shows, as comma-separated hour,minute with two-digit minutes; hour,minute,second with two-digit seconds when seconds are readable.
5,23
